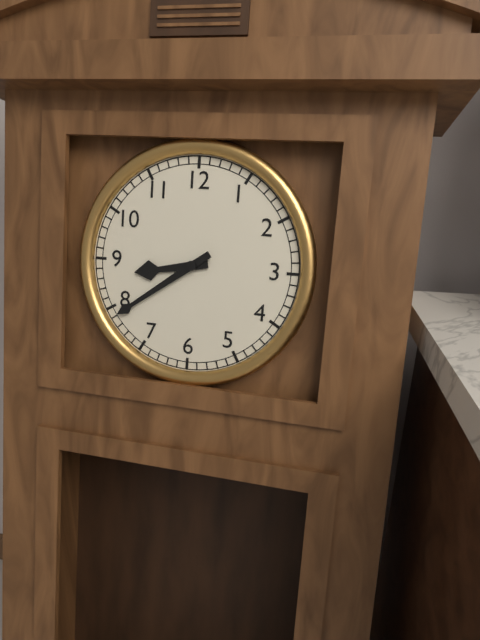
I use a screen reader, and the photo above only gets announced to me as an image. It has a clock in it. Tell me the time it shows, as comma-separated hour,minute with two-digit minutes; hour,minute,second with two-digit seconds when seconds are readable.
8,39
